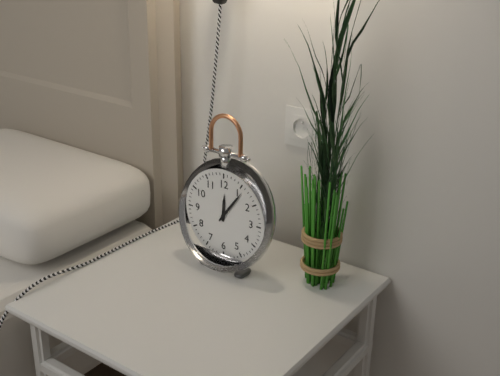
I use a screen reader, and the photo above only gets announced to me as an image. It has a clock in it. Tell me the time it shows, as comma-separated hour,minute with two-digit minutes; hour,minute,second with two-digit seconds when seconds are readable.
12,06
